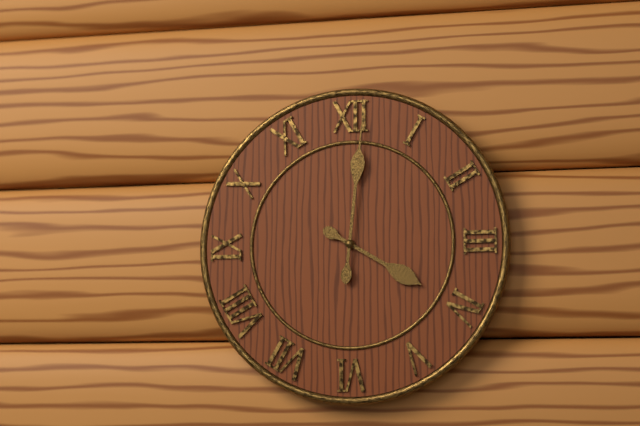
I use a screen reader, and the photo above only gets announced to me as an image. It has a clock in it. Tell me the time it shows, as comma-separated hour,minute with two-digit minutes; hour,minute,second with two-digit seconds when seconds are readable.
4,01
